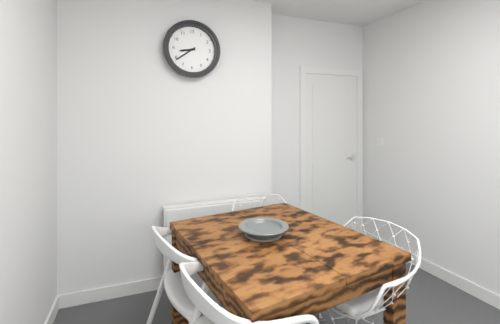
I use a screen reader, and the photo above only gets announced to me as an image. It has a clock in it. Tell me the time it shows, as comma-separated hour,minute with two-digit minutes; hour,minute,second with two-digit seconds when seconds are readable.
8,39
